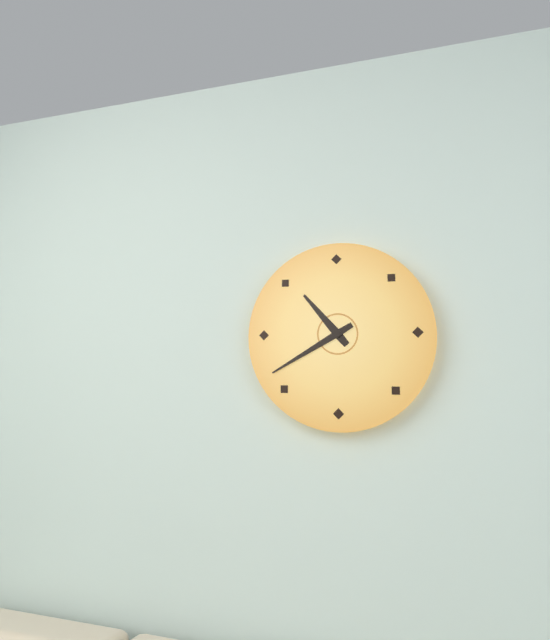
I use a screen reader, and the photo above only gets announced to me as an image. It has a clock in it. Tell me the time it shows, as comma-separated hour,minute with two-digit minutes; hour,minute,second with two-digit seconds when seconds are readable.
10,40
